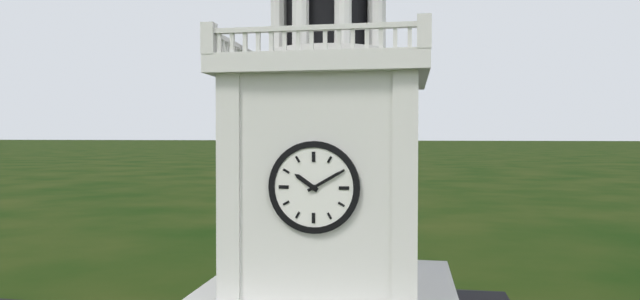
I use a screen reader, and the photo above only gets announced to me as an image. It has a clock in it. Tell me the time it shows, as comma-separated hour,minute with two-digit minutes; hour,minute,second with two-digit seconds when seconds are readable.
10,10
